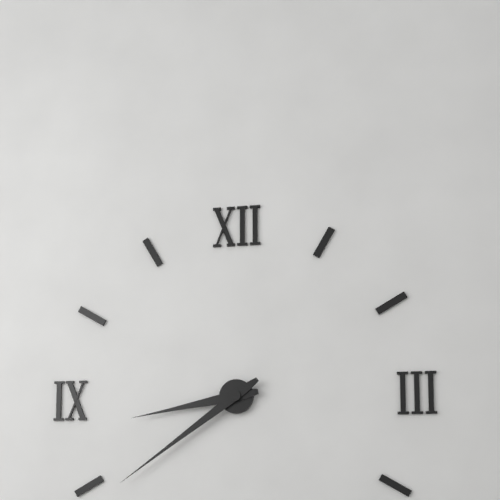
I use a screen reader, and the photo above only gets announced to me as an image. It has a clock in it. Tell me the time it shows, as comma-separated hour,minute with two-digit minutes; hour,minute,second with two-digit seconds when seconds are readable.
8,39
